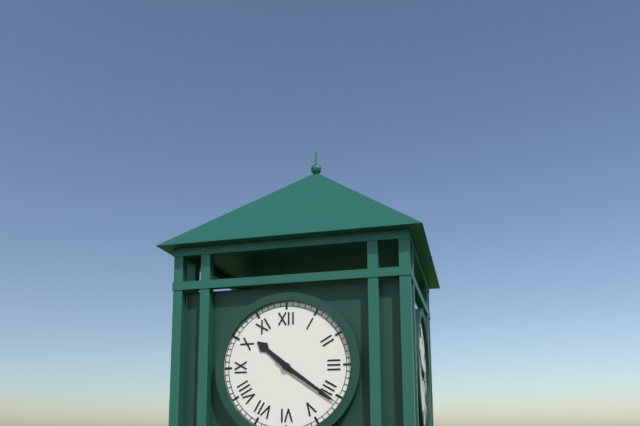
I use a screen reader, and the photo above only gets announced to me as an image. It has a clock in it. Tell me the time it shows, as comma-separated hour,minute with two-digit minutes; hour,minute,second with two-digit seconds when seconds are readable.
10,21
